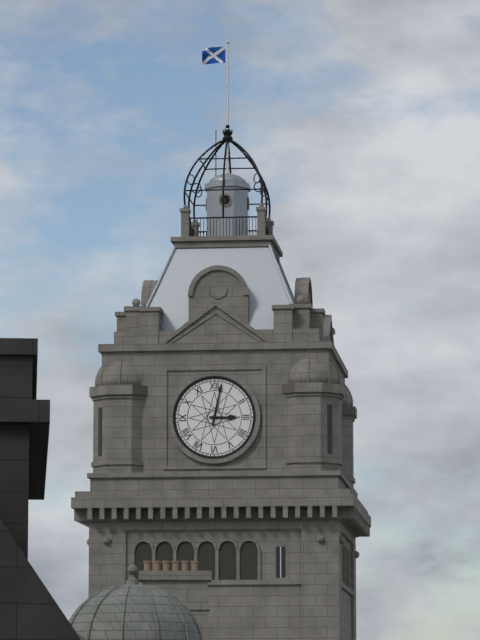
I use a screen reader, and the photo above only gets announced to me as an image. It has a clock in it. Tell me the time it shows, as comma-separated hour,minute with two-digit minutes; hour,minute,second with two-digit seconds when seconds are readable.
3,02
